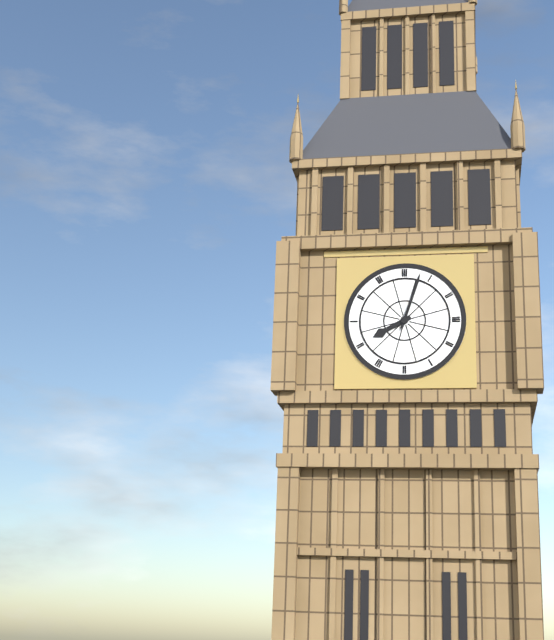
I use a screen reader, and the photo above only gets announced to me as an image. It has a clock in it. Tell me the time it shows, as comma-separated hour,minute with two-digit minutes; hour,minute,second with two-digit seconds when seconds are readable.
8,03
